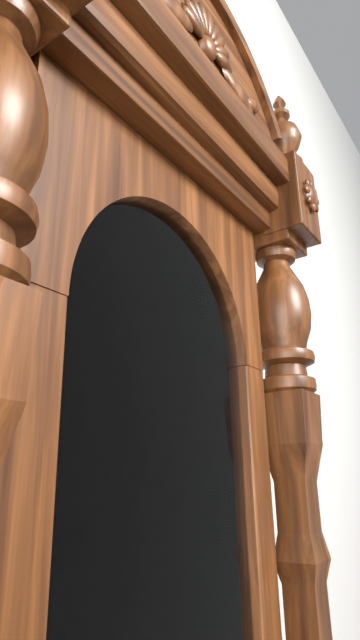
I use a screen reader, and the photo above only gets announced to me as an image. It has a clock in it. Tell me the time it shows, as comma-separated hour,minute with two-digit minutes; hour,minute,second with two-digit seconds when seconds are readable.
1,34
